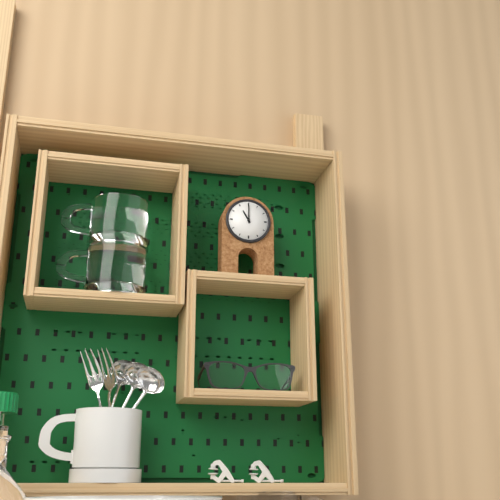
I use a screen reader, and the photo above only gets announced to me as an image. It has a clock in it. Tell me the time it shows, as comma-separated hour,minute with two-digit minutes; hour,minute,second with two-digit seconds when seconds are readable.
11,00
